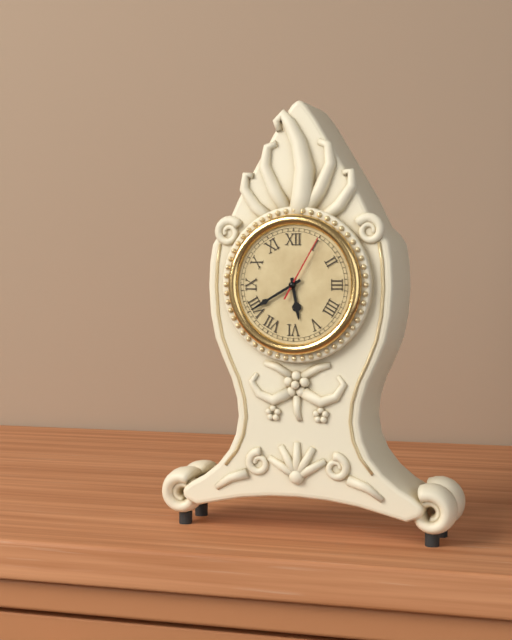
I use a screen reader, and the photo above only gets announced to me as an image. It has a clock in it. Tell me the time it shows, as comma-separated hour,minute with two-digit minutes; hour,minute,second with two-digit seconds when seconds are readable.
5,40,05
